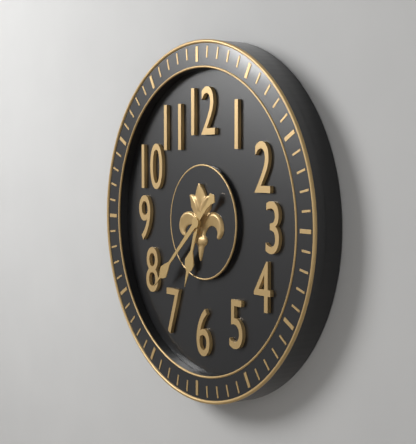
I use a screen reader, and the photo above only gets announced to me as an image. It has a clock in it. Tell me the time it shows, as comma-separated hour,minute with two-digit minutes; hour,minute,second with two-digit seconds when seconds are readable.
6,38
